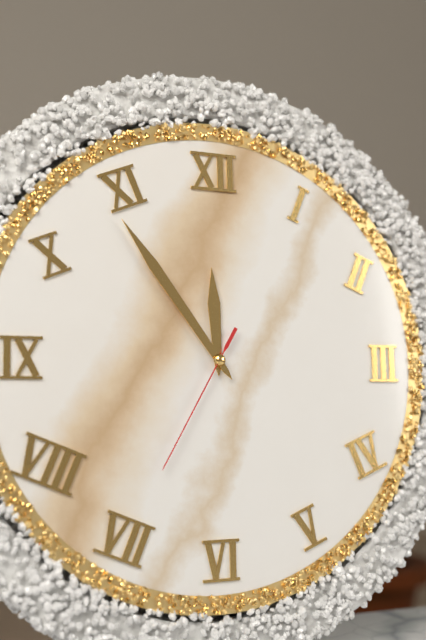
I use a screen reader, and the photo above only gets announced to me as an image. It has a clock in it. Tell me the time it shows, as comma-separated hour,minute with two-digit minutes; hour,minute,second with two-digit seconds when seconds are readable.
11,54,35
